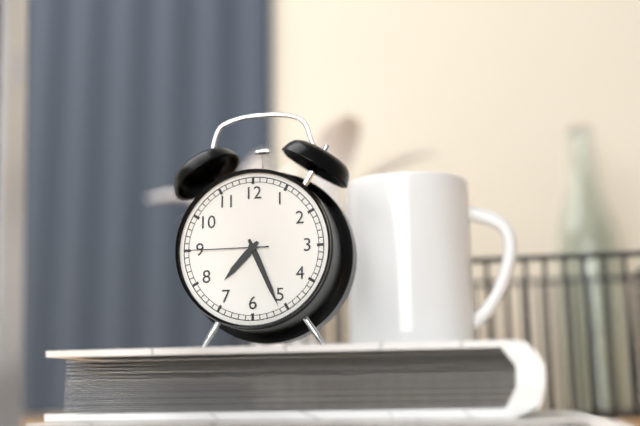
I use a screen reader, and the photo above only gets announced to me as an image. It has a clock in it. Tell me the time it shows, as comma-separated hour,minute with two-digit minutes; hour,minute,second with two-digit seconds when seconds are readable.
7,26,45
